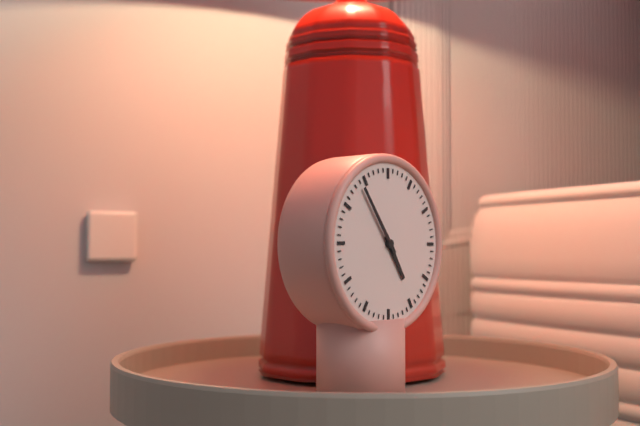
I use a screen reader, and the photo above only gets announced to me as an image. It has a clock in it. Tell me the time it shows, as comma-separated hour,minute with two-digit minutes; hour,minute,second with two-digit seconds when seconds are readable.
4,54
